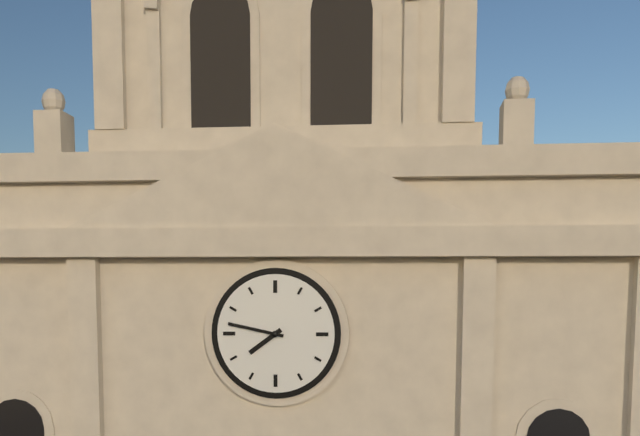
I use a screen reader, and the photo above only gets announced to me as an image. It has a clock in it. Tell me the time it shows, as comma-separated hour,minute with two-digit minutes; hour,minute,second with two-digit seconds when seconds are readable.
7,47
